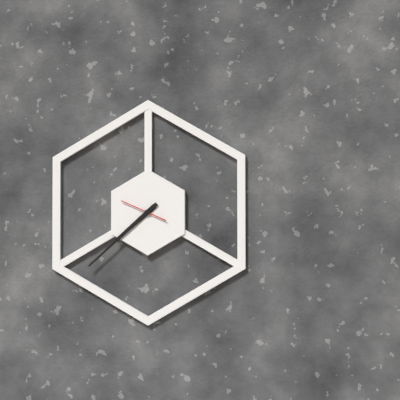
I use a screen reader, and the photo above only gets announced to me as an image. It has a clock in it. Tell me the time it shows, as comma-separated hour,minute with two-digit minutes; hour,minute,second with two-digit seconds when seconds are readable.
7,38
